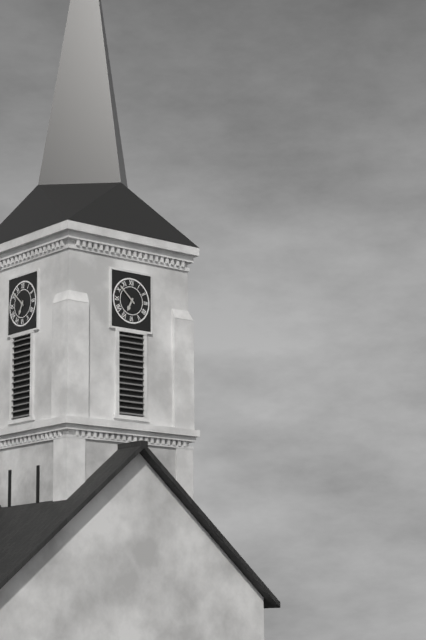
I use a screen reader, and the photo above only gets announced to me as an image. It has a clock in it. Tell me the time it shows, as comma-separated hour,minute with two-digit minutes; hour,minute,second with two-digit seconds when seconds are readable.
6,52
